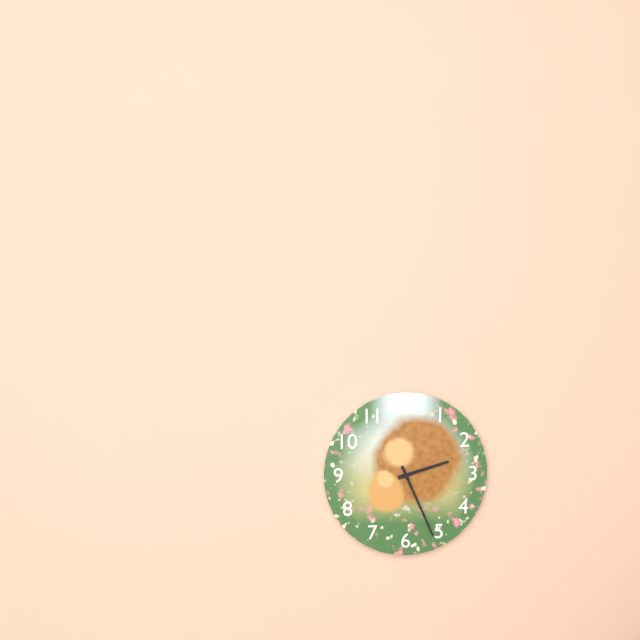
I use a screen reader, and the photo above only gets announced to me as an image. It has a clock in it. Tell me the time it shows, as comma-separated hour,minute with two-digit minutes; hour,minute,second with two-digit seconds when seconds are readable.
2,26
